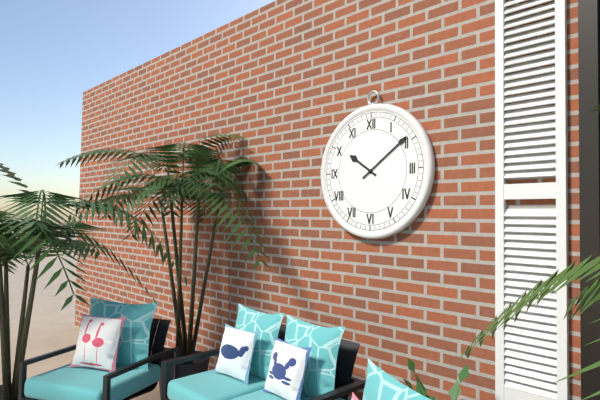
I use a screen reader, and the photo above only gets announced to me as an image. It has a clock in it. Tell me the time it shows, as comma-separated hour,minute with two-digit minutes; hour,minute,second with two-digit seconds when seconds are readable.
10,09
